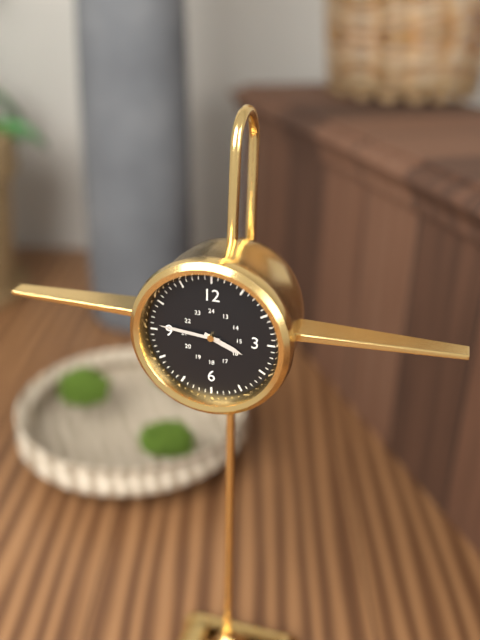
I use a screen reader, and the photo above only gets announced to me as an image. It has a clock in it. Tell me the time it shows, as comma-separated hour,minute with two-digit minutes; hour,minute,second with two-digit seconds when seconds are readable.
3,46
